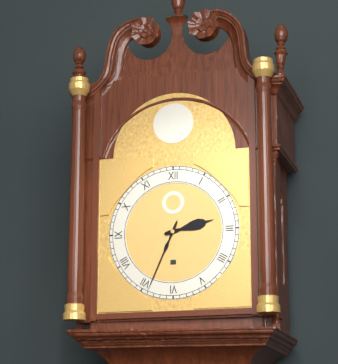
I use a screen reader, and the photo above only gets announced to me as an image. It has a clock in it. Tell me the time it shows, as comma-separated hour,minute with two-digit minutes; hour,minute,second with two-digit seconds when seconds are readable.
2,34
